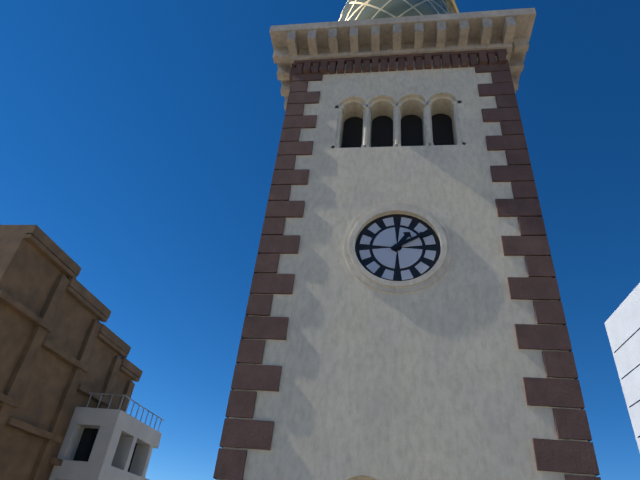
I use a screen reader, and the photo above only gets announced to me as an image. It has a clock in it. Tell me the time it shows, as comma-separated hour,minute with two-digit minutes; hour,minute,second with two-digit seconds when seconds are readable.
1,10
